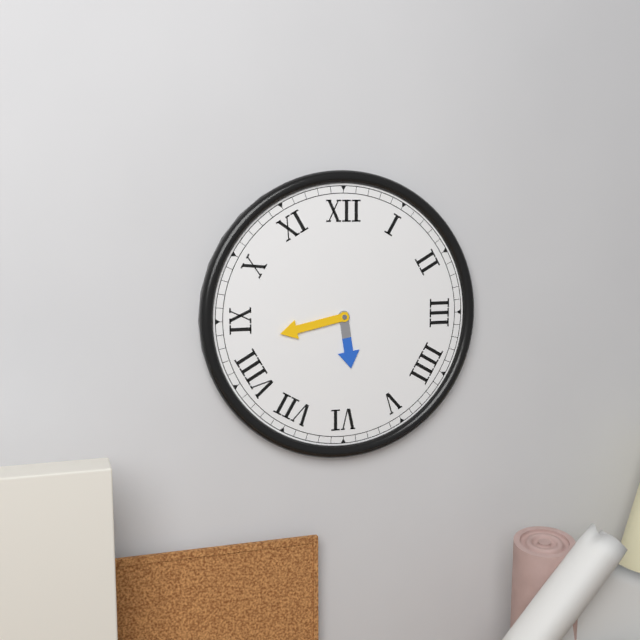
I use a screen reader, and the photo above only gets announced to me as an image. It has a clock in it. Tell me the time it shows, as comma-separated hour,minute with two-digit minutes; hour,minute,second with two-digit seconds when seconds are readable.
5,43
